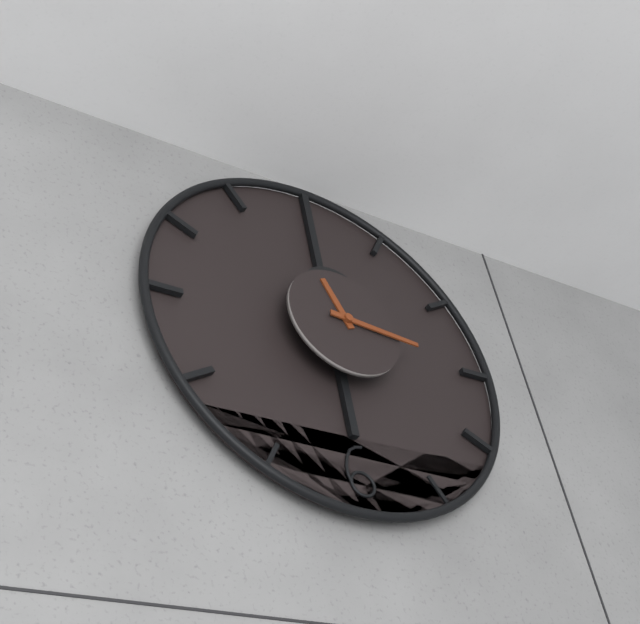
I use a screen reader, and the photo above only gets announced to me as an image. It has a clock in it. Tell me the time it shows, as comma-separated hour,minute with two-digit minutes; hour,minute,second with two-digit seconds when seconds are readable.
11,16
